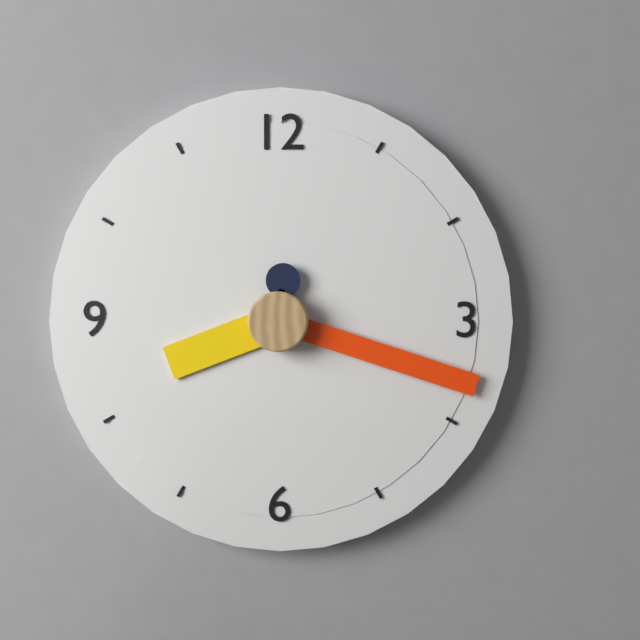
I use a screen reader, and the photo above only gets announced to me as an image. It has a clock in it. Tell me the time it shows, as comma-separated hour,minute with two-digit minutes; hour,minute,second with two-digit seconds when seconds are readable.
8,18,01
